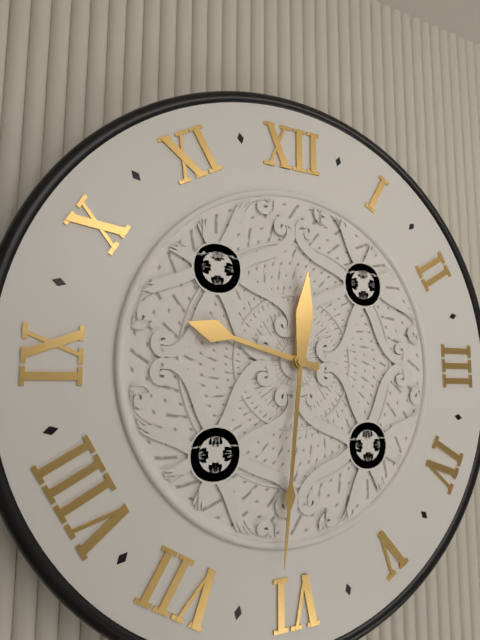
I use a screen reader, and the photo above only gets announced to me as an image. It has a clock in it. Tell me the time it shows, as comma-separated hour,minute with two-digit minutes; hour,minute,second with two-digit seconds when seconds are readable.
9,31
